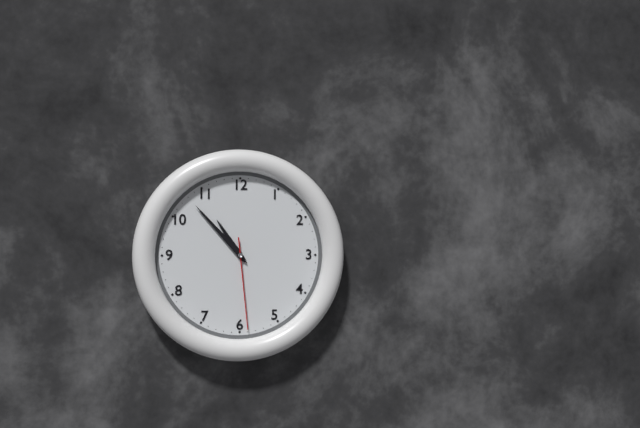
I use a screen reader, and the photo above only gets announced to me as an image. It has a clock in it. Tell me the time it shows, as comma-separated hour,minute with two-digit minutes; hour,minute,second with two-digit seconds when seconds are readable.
10,53,29
